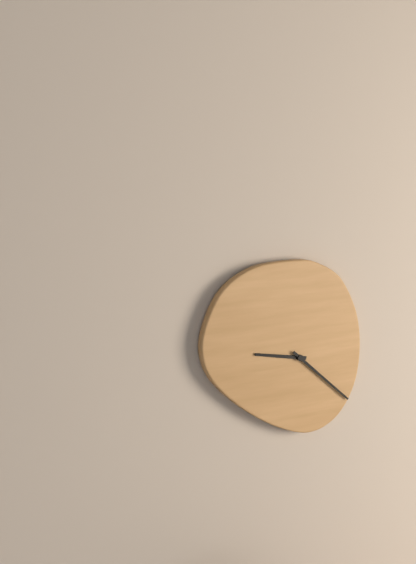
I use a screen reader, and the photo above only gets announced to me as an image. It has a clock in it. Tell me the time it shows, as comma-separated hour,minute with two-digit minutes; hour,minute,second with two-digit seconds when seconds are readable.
9,22
